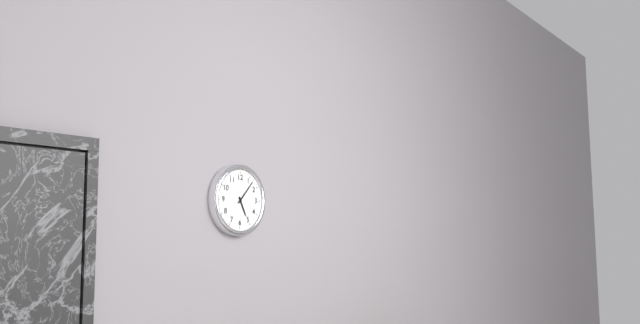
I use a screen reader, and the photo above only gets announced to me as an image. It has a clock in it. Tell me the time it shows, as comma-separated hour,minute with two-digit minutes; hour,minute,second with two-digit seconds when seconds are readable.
5,07
